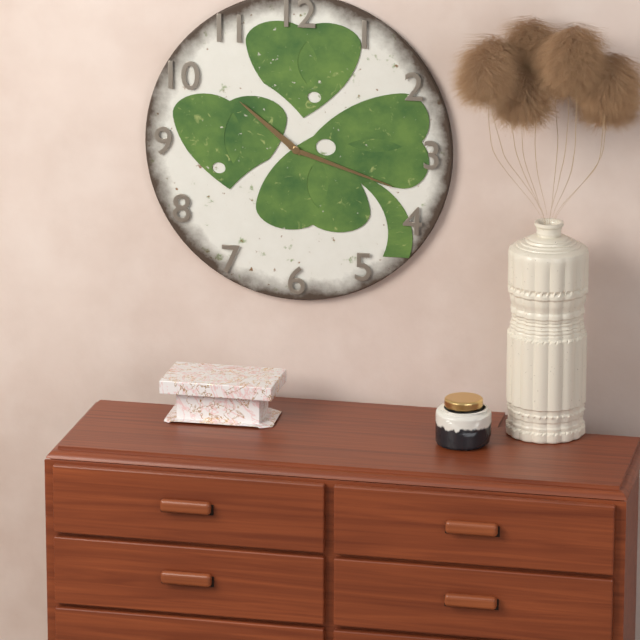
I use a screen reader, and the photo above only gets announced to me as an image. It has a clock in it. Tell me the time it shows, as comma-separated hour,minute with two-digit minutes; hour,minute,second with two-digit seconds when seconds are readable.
10,18
